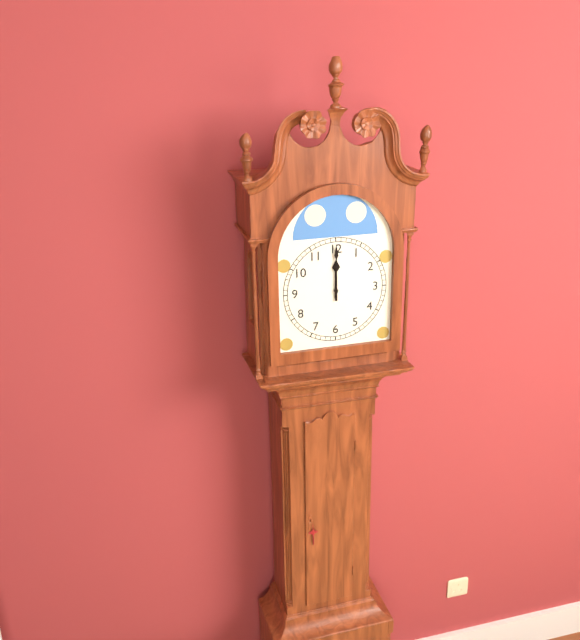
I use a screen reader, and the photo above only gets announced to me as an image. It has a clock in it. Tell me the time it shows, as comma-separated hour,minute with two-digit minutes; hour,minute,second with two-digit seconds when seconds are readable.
12,00
